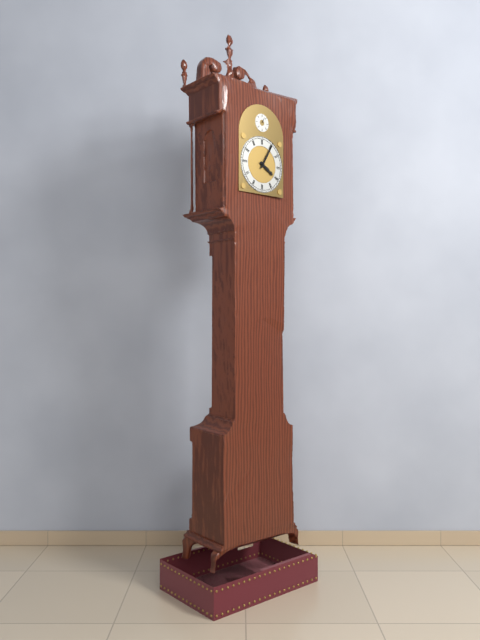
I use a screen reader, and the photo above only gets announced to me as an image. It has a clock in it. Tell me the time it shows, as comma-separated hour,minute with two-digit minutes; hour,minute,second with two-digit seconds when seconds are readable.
4,05
